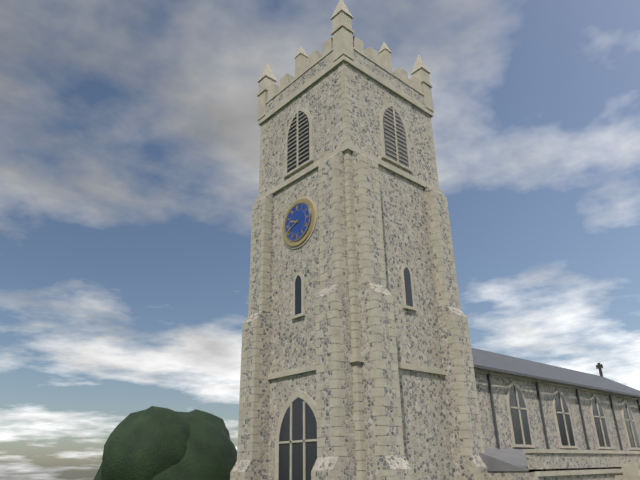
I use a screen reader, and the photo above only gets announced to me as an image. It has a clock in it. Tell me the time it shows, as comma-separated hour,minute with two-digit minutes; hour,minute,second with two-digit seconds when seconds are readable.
9,41
